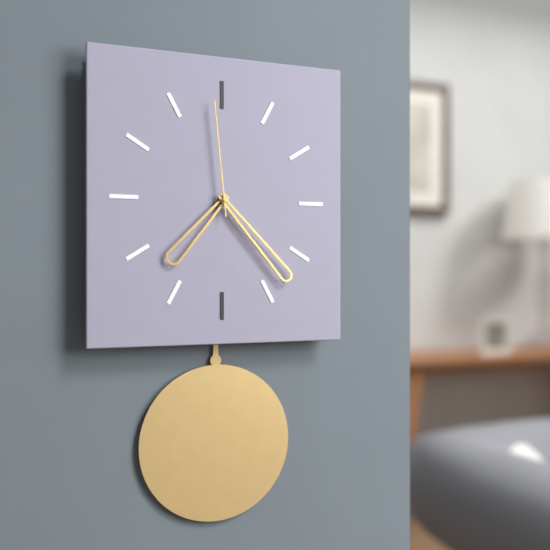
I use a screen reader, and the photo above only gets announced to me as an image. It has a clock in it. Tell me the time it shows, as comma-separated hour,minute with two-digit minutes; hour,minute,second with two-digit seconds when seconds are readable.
7,23,59
